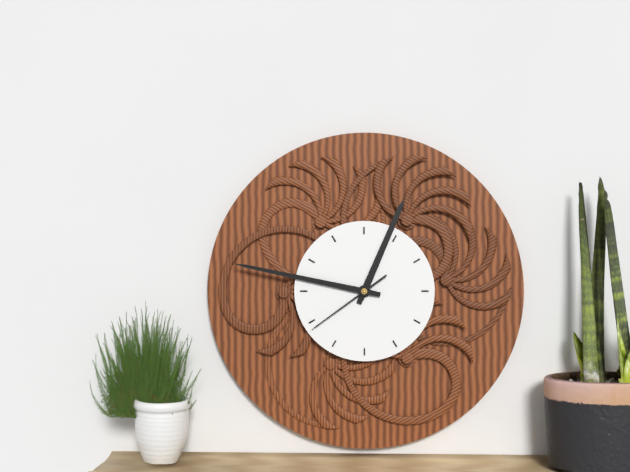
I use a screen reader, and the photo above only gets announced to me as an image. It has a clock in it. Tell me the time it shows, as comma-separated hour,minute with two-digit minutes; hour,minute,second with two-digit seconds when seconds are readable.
12,47,39
